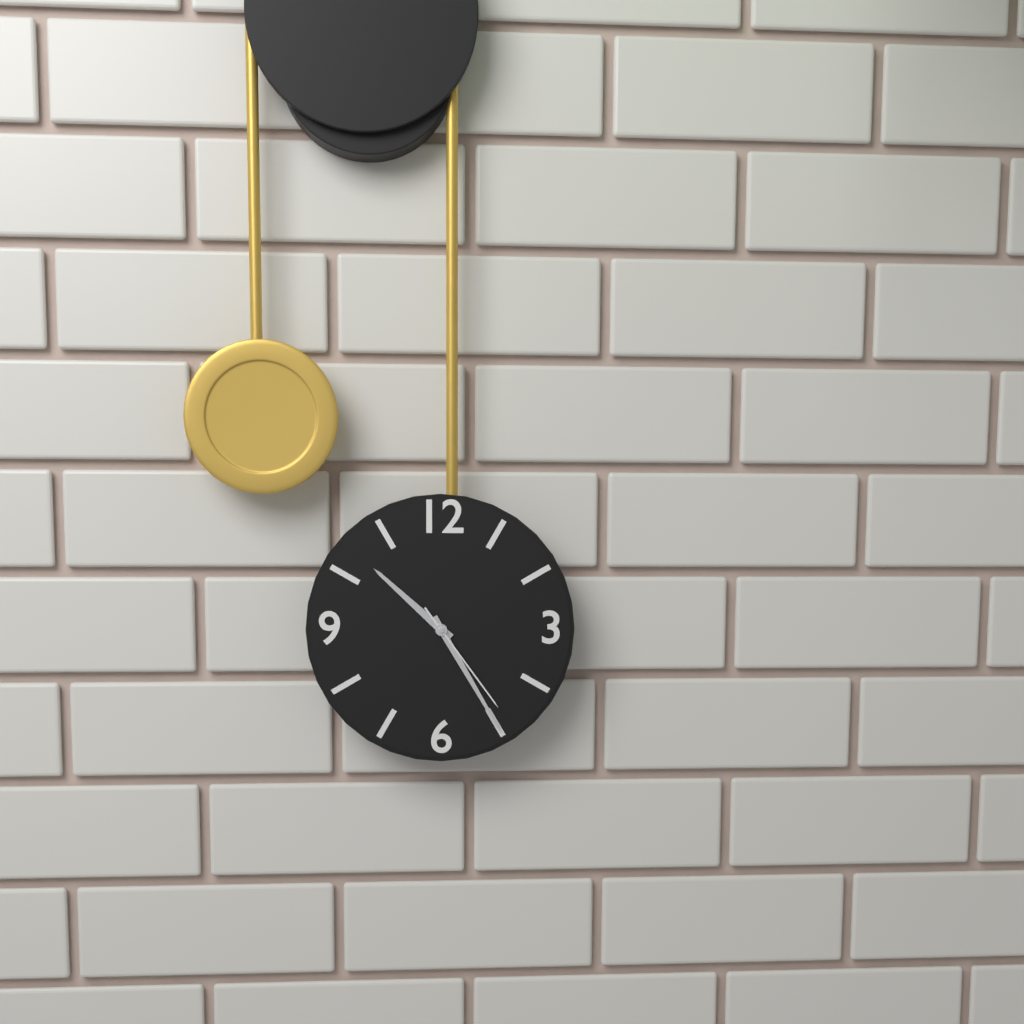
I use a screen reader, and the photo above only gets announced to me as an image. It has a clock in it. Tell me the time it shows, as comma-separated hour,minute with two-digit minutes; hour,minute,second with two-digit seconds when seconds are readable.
10,25,24
